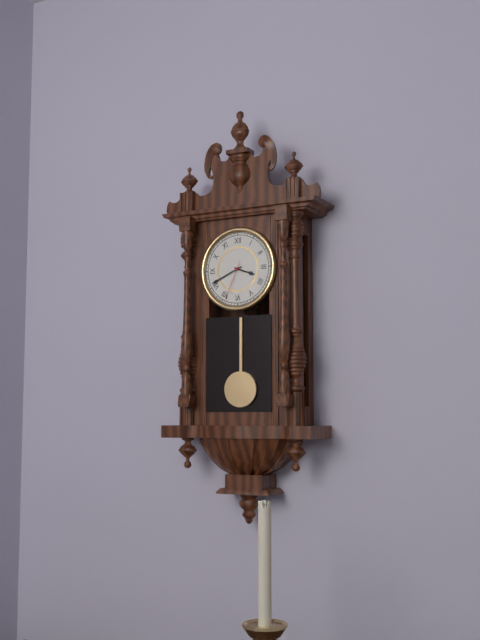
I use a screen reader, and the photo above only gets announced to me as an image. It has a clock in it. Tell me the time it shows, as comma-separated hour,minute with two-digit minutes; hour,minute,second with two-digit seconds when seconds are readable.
3,41
